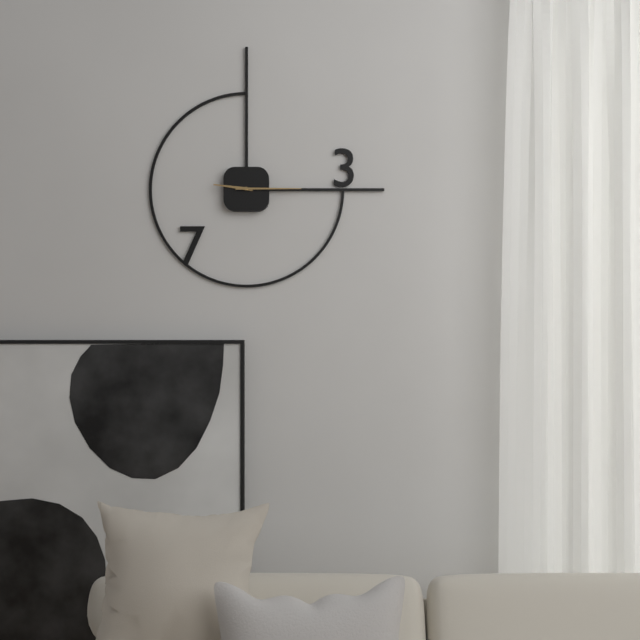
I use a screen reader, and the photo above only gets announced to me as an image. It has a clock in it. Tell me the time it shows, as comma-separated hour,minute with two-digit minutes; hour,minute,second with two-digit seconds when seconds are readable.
9,15
